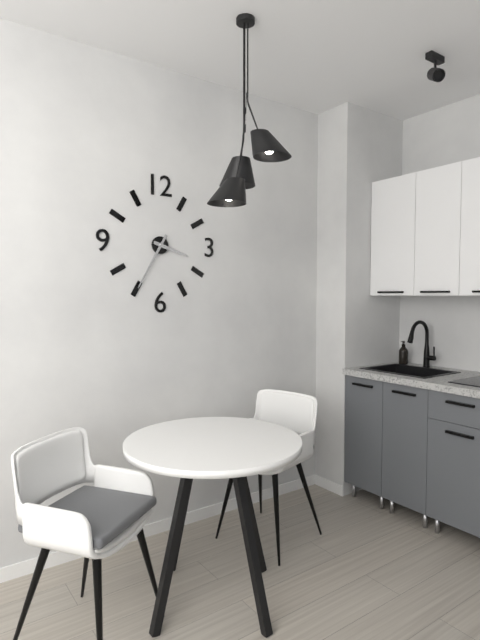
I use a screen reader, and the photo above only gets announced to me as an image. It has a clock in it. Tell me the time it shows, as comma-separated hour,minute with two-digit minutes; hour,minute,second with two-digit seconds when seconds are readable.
3,35
